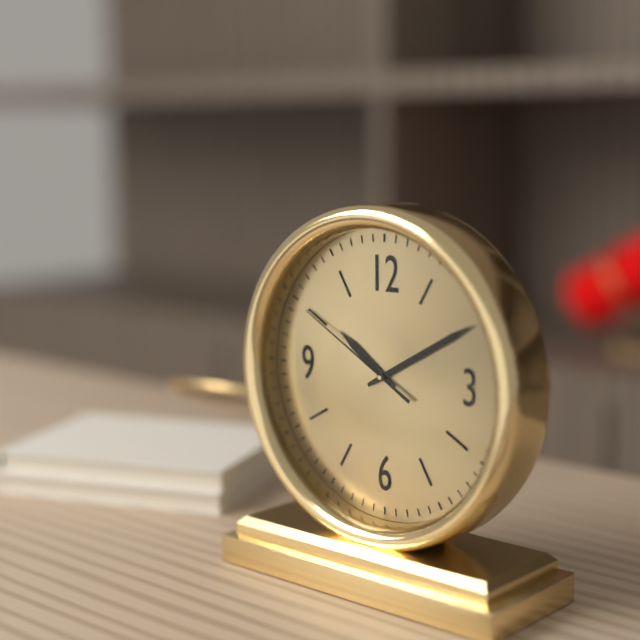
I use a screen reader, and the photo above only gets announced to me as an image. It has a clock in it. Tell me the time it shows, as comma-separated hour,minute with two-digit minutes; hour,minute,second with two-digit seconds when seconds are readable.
10,10,50
